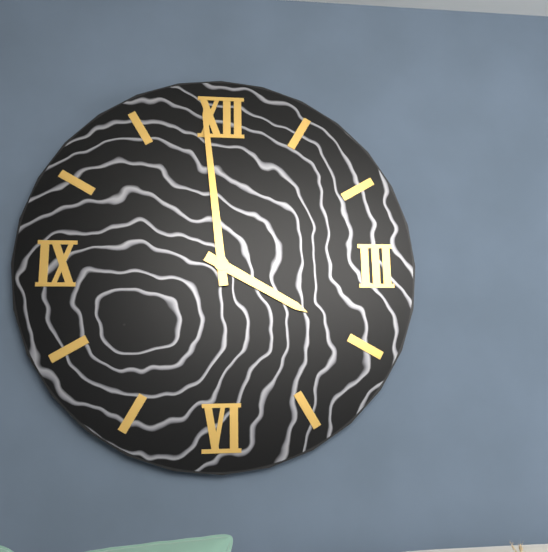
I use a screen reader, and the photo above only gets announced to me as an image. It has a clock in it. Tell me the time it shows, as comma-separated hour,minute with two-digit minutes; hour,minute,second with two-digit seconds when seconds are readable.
3,59
